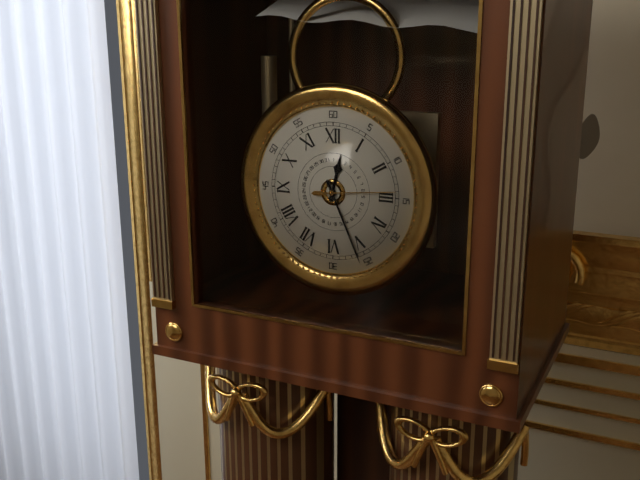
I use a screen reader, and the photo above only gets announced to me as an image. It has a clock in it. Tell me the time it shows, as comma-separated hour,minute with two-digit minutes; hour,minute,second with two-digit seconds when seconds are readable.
12,26,14
